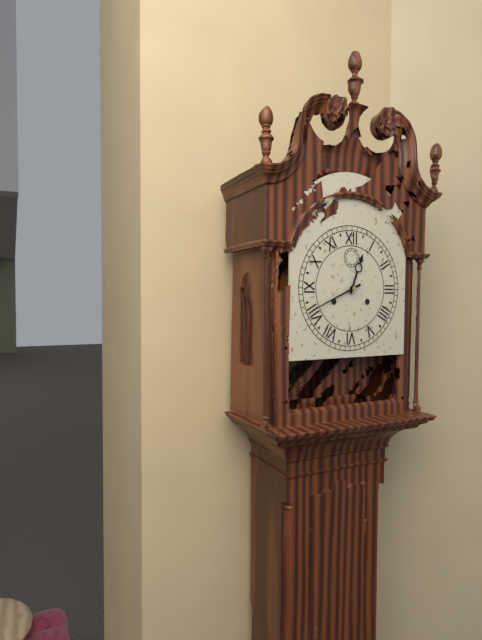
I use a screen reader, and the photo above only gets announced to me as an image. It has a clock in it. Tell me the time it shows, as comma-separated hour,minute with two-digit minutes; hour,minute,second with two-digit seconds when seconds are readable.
12,41
